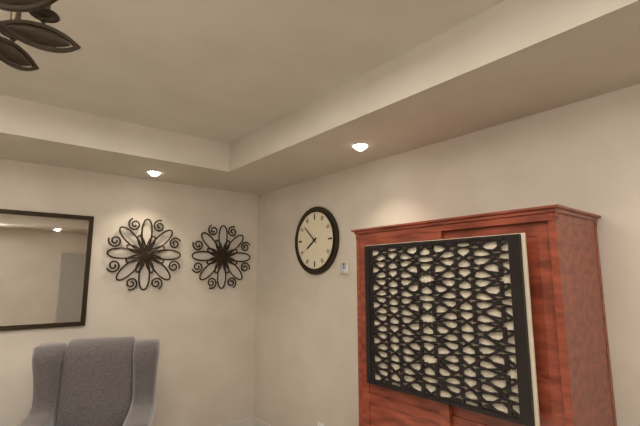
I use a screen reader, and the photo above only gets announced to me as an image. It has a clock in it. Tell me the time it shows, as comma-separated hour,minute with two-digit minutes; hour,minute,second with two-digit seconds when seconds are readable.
7,52
